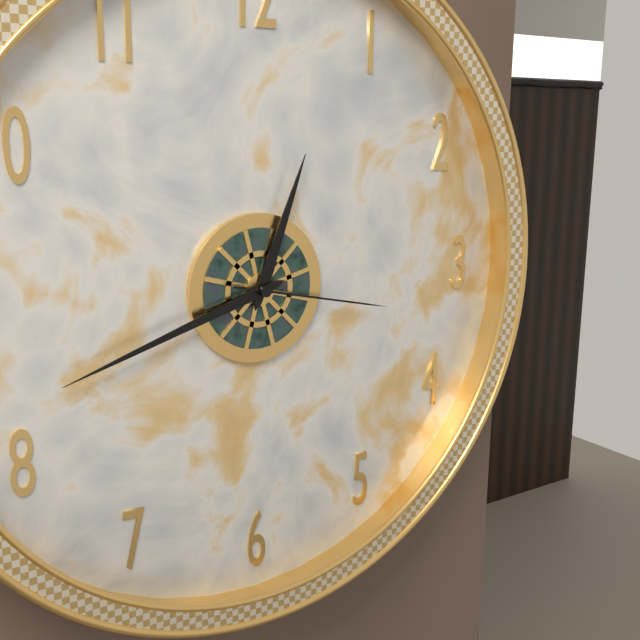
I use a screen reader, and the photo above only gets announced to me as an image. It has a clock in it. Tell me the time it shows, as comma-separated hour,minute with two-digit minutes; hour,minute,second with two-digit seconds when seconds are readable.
12,42,17
